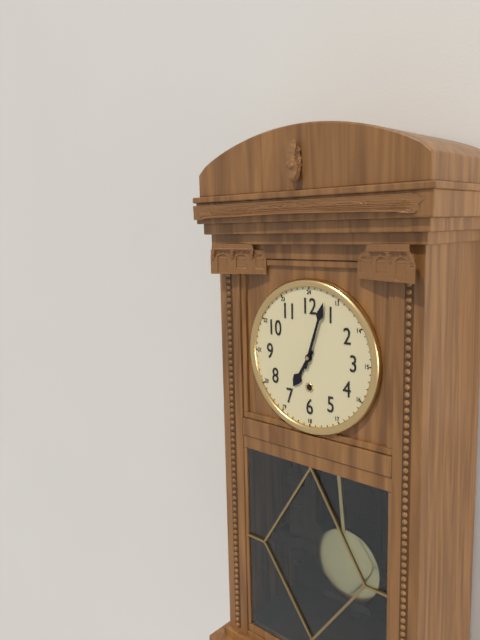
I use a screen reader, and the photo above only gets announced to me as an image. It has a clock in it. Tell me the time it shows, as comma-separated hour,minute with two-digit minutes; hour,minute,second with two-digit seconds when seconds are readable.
7,03
